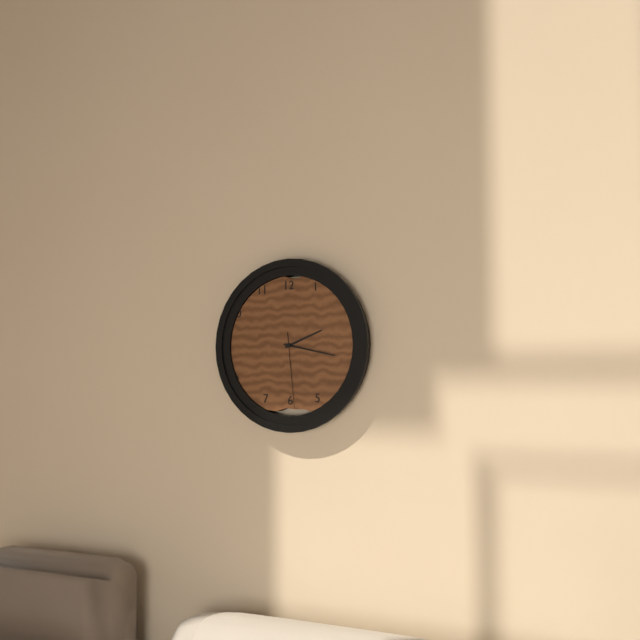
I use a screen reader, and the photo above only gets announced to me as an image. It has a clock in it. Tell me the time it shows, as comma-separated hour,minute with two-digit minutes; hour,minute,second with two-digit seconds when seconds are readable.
2,17,29
